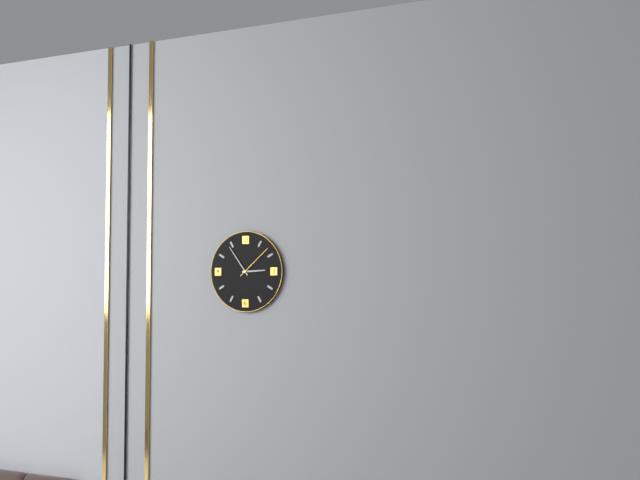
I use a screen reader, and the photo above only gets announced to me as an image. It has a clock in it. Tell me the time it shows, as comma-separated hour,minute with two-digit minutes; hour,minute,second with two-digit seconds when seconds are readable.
2,54
